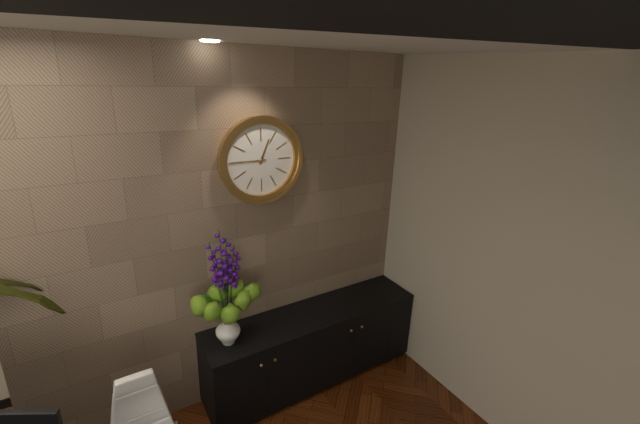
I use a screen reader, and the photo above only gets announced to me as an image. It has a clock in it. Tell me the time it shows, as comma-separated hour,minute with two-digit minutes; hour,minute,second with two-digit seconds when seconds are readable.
12,45
